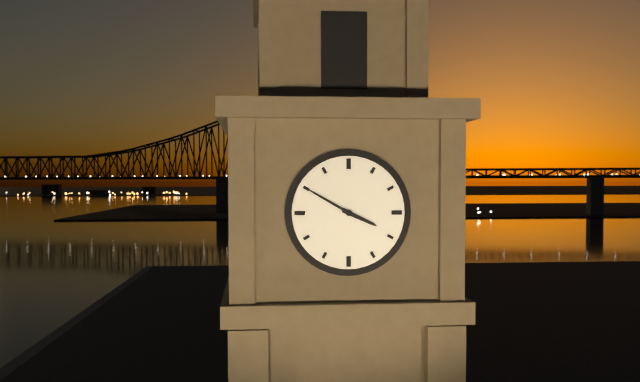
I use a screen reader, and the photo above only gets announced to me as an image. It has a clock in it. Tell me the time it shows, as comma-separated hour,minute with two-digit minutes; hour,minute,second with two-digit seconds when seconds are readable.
3,50
